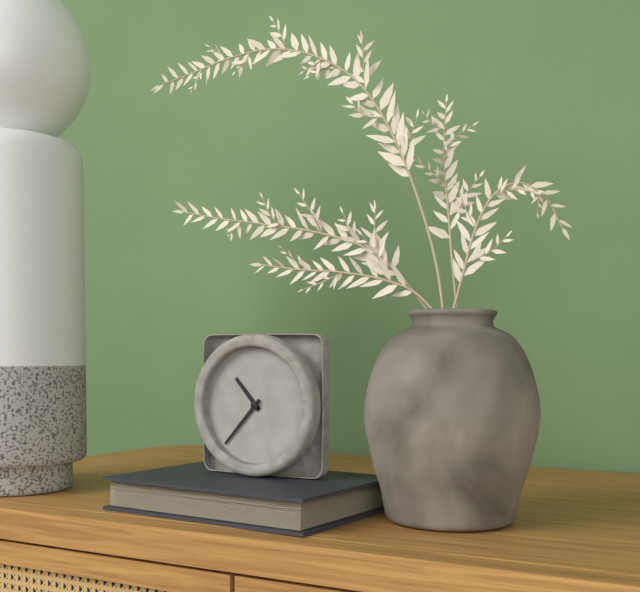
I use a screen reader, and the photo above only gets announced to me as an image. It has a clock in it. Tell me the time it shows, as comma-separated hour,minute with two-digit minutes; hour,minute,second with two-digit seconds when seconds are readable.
10,37
